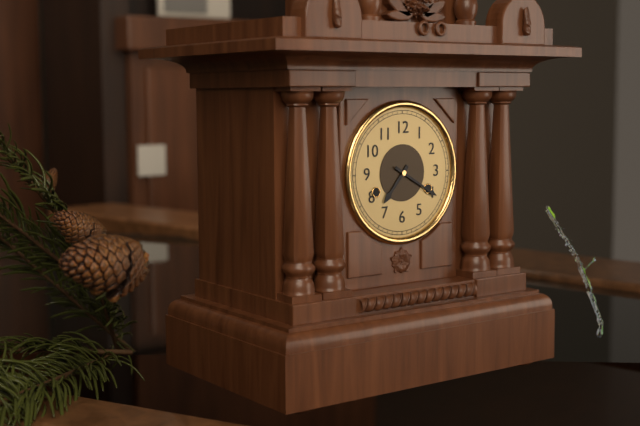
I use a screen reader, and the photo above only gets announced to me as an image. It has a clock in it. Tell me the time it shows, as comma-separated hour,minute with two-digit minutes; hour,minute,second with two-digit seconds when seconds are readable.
7,20
